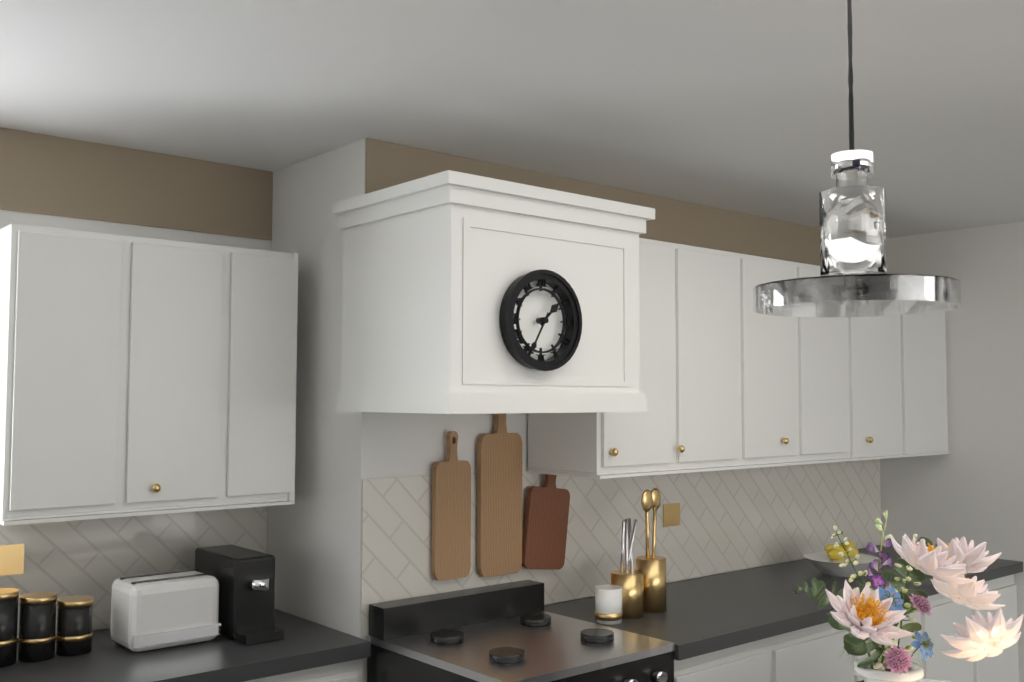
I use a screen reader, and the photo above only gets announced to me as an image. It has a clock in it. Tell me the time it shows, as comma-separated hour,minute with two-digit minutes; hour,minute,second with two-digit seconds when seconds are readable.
1,35
